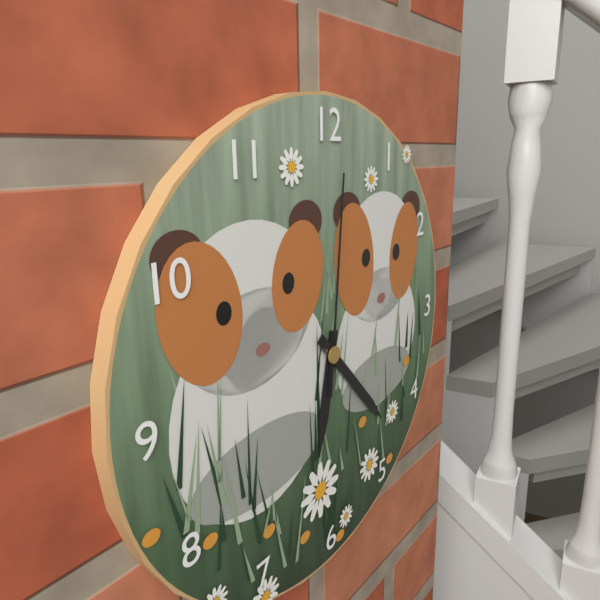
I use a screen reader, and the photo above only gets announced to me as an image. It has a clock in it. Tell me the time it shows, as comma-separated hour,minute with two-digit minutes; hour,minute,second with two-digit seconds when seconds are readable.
6,23,01
